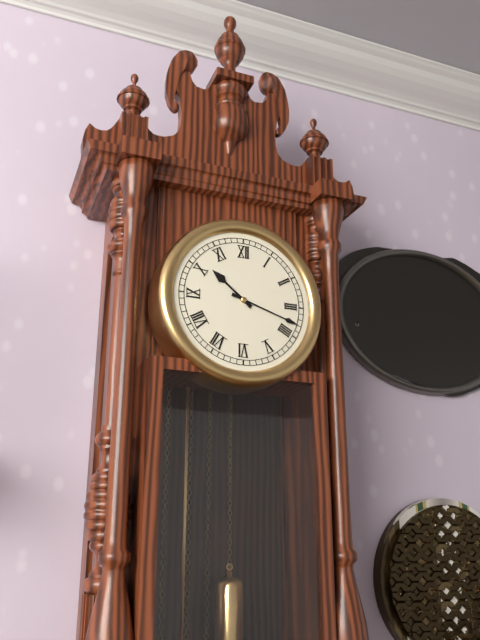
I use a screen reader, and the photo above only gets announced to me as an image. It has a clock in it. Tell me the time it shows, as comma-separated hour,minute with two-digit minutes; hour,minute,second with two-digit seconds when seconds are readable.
10,18
